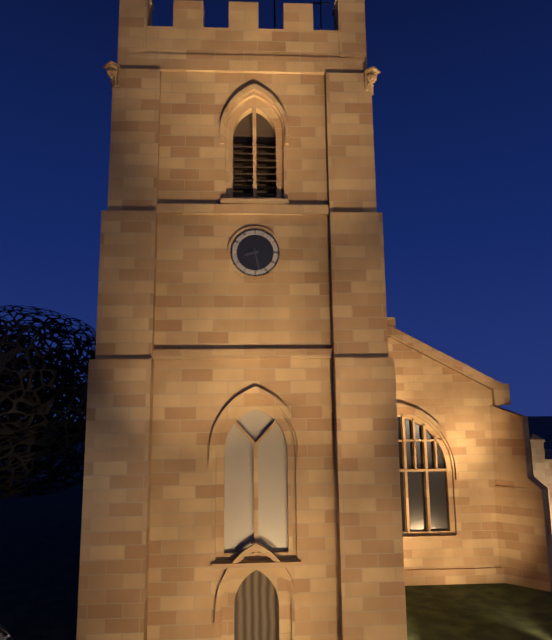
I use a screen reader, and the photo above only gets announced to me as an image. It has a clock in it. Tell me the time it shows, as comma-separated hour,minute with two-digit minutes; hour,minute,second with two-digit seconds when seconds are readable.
8,28
